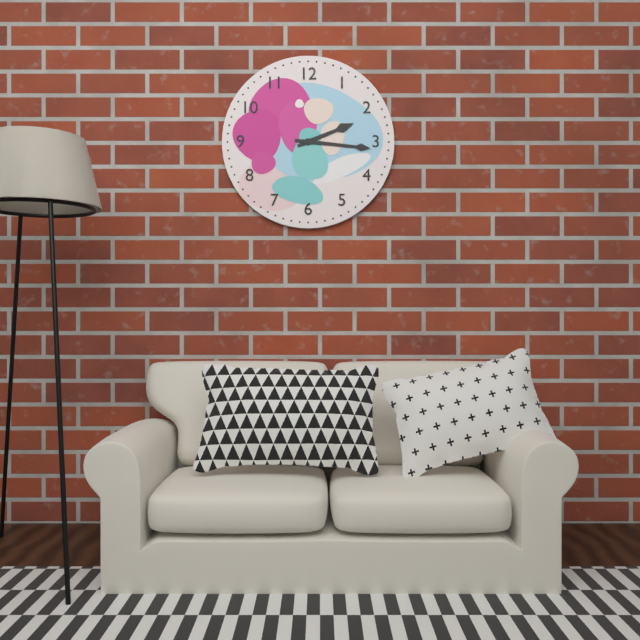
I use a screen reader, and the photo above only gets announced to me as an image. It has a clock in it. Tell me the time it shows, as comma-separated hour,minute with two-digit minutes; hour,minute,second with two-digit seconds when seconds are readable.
2,16
